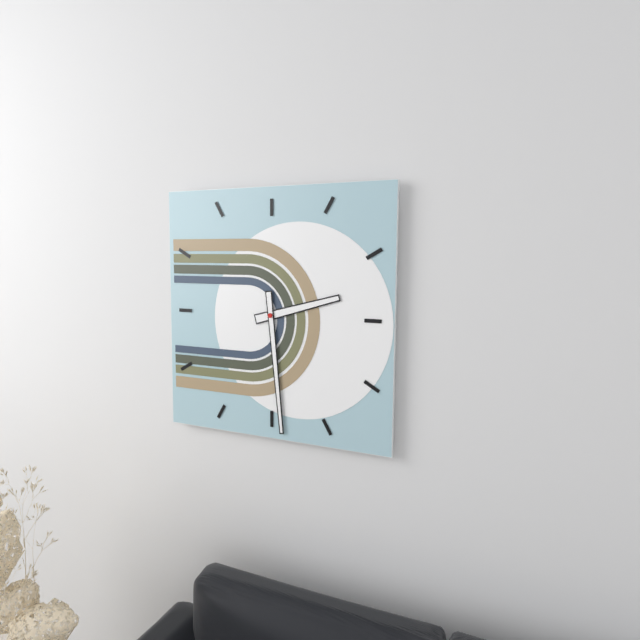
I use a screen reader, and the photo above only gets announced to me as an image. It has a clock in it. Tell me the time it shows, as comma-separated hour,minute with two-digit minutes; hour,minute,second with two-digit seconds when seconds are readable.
2,29
